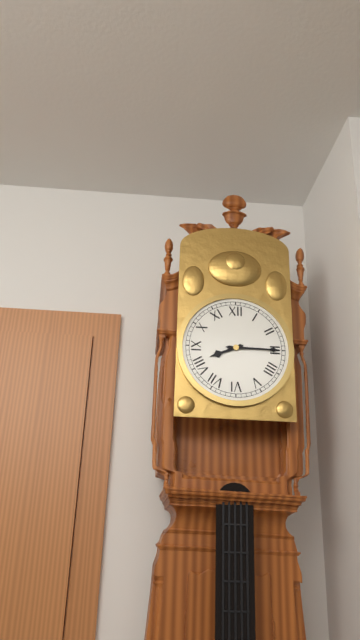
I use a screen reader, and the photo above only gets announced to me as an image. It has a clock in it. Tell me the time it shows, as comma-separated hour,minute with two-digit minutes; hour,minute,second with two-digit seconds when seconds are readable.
8,15
